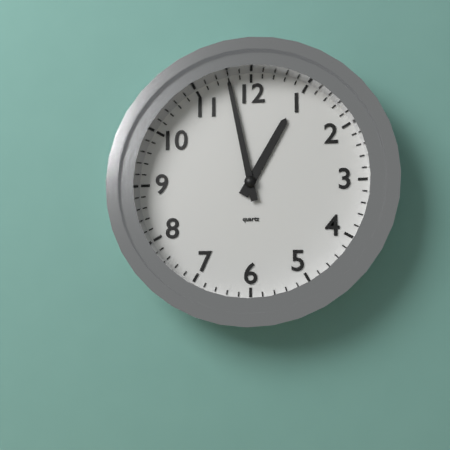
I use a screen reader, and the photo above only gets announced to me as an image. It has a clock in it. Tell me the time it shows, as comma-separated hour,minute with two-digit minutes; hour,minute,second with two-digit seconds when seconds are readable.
12,58
